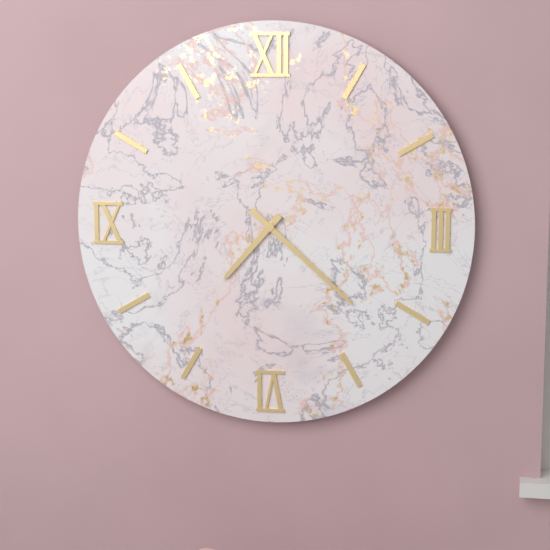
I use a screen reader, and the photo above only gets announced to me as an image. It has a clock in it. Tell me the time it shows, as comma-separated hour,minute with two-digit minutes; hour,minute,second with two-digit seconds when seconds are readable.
7,22
